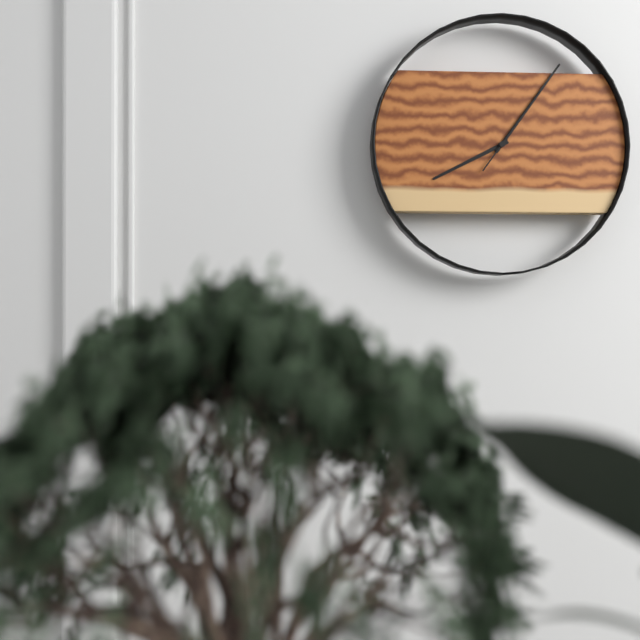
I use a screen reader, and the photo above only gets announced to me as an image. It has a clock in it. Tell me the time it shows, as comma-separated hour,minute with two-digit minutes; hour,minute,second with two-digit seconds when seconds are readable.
8,06,06
